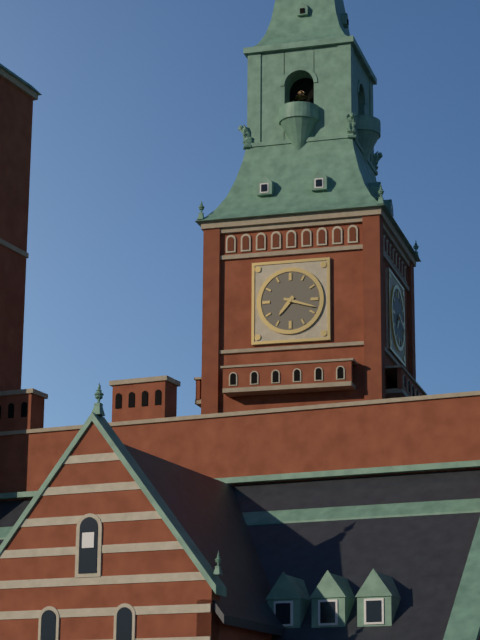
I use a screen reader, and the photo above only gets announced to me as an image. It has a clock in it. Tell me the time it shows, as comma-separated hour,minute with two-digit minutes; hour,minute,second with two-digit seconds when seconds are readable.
7,18
